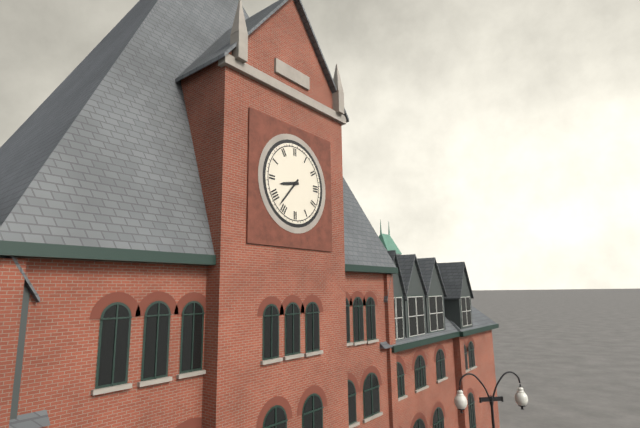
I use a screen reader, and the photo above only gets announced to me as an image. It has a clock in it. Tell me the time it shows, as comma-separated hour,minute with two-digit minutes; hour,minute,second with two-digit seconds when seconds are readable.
8,37
